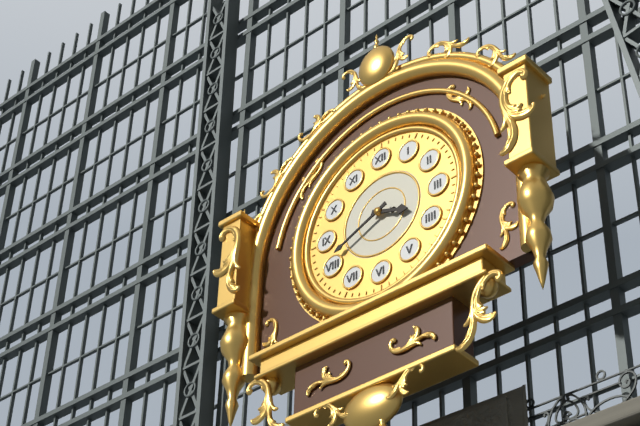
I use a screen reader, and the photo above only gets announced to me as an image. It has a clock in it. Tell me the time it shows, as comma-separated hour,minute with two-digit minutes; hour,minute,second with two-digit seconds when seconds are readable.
3,41
